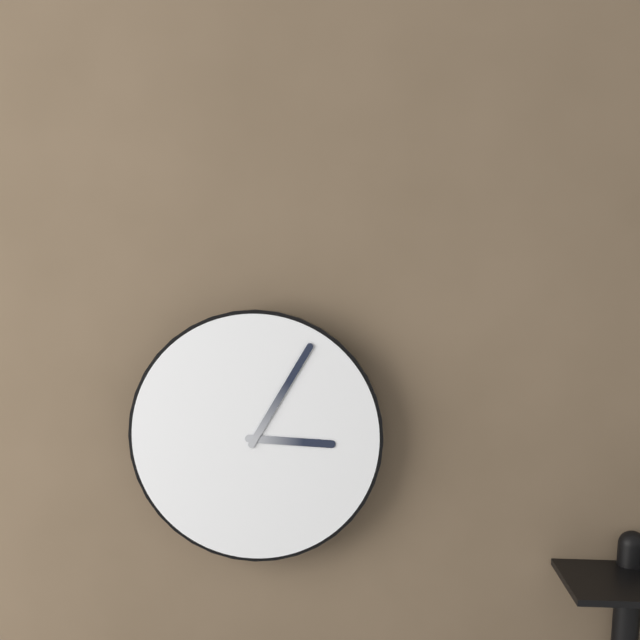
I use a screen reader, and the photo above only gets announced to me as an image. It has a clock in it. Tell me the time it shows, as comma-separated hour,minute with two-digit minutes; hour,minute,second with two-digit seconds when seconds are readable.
3,05
